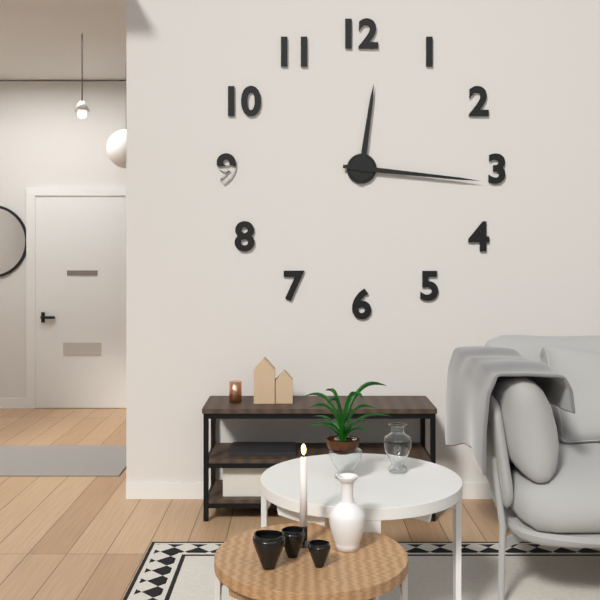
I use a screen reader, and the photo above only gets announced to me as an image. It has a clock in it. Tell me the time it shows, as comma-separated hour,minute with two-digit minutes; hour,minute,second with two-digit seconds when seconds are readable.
12,16
